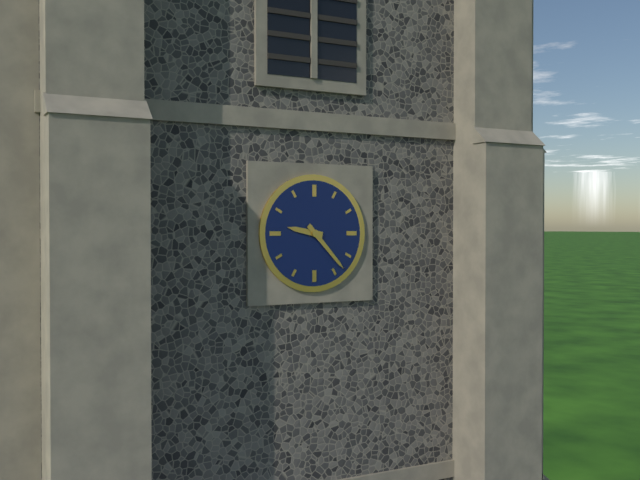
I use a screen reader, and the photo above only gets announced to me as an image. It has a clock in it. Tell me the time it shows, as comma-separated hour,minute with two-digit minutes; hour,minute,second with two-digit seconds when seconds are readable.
9,23
